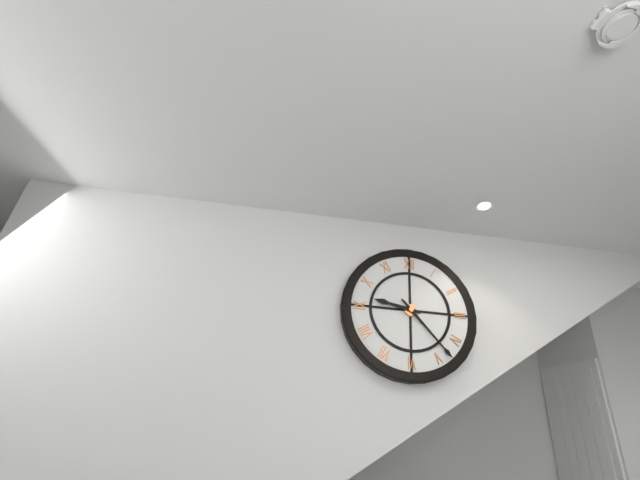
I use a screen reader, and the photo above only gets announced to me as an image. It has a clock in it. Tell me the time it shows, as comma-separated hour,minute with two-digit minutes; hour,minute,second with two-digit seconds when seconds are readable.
9,23
